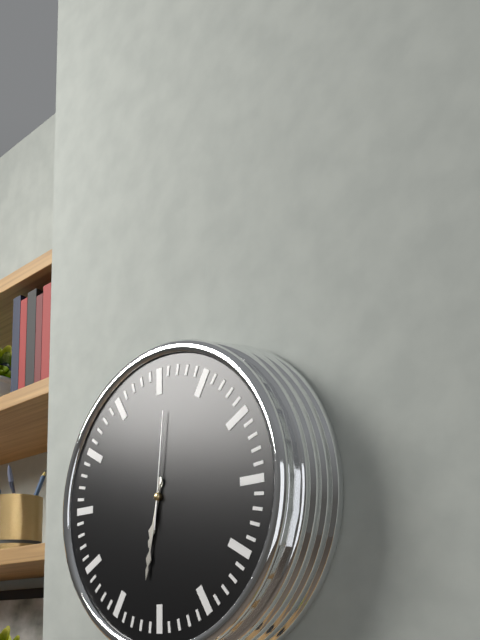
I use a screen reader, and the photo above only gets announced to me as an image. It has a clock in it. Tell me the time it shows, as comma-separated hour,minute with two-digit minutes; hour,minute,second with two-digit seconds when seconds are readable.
6,32,01
